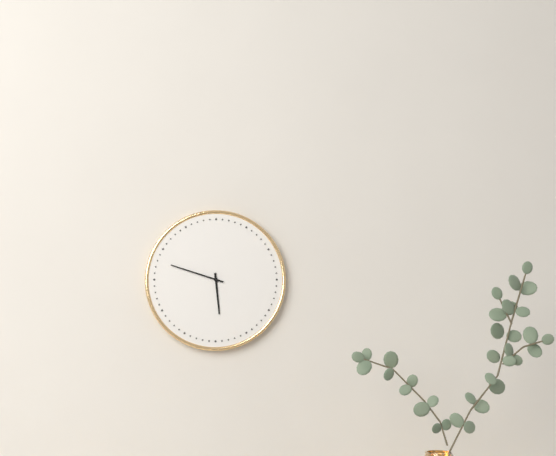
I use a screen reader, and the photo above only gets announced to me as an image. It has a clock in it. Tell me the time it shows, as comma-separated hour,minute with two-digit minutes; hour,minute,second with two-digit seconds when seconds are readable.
5,48
